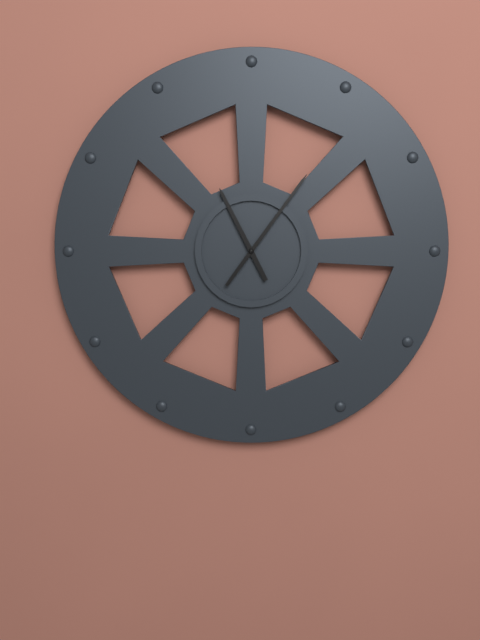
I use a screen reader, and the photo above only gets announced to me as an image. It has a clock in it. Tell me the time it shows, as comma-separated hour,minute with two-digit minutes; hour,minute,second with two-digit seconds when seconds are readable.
11,06
